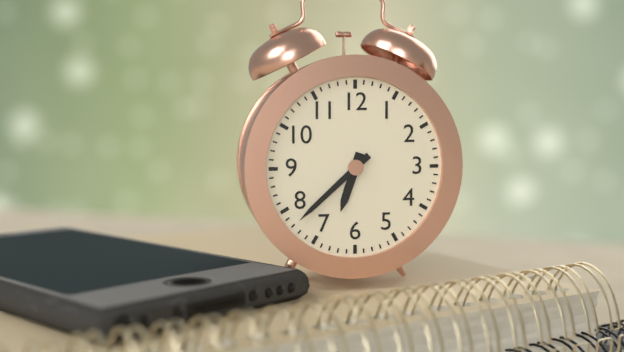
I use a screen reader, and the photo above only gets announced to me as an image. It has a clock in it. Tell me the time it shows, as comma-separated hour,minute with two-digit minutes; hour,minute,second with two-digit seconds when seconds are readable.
6,38
